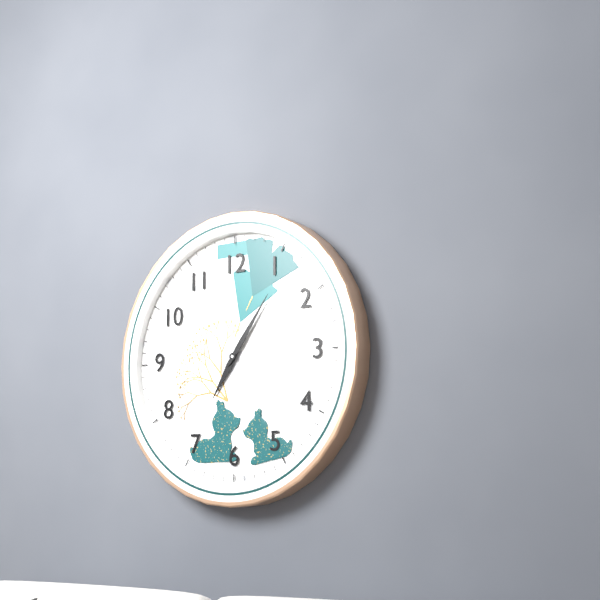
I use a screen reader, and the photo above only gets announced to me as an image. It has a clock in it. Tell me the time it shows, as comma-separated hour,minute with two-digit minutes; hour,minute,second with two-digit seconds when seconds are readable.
7,06
